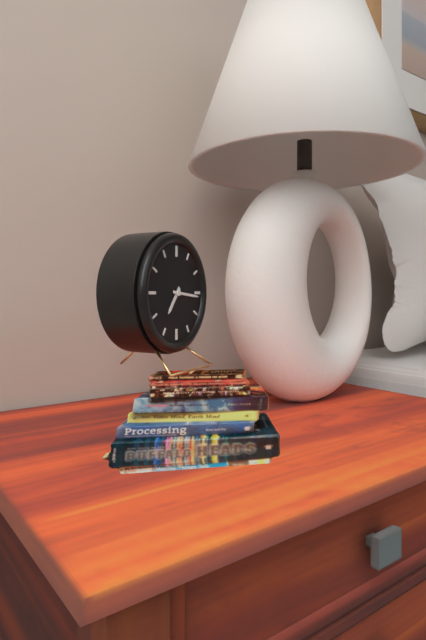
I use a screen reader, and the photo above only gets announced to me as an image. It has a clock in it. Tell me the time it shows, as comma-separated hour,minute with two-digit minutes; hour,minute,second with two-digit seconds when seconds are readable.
7,16
